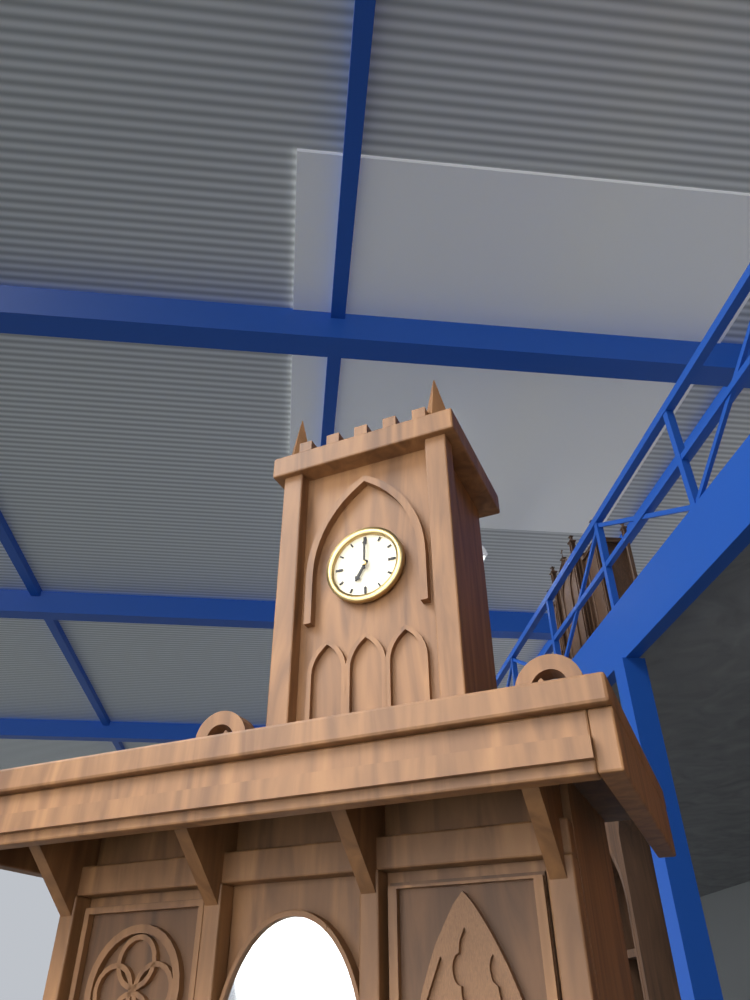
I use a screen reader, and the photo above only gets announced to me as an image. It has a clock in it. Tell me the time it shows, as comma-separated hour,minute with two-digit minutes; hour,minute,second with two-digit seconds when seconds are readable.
7,00
